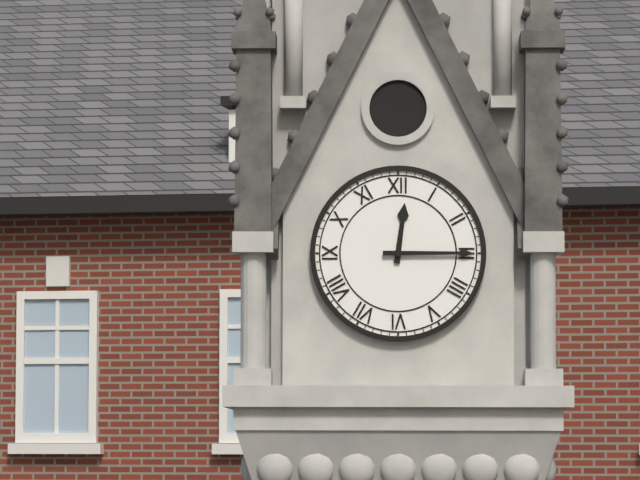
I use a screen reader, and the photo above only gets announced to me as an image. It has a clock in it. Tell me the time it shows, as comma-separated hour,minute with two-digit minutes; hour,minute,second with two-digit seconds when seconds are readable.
12,15
